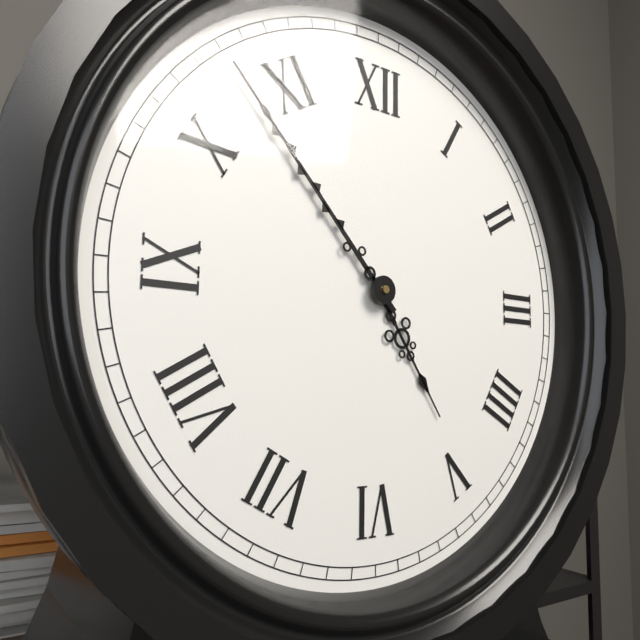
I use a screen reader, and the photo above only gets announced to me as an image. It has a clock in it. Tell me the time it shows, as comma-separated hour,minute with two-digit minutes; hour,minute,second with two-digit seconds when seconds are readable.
4,53
